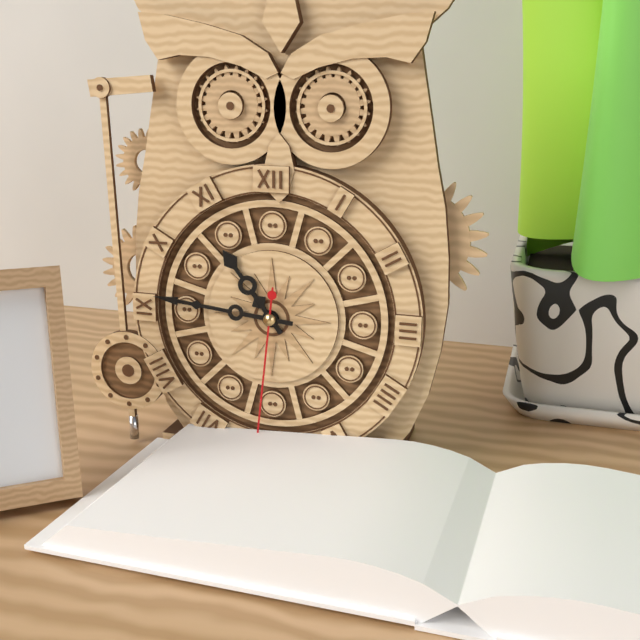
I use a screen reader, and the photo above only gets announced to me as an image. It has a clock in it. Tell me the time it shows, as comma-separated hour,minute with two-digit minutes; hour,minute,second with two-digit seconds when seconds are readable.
10,46,31
